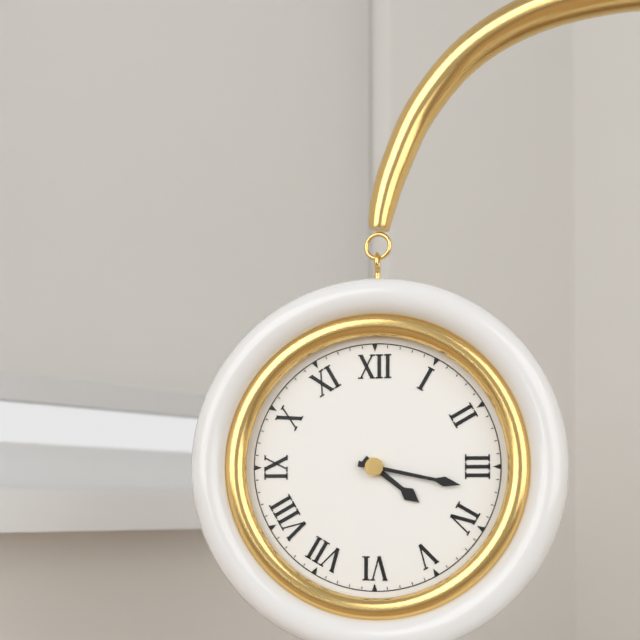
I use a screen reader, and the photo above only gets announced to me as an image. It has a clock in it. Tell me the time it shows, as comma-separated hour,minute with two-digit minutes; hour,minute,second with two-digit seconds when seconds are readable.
4,17
